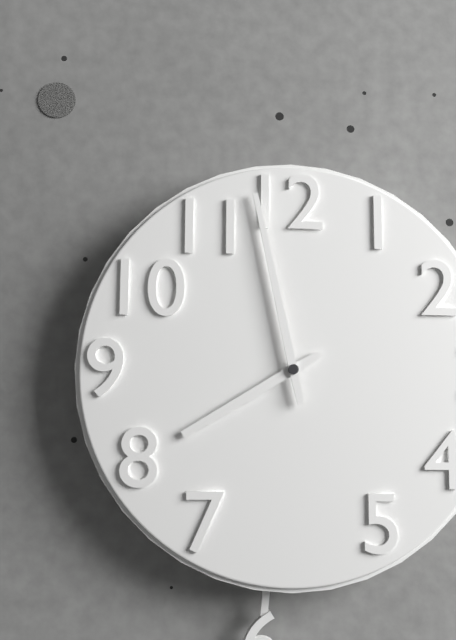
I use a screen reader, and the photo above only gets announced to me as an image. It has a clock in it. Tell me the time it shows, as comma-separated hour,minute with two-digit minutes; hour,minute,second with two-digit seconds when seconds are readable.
7,58
